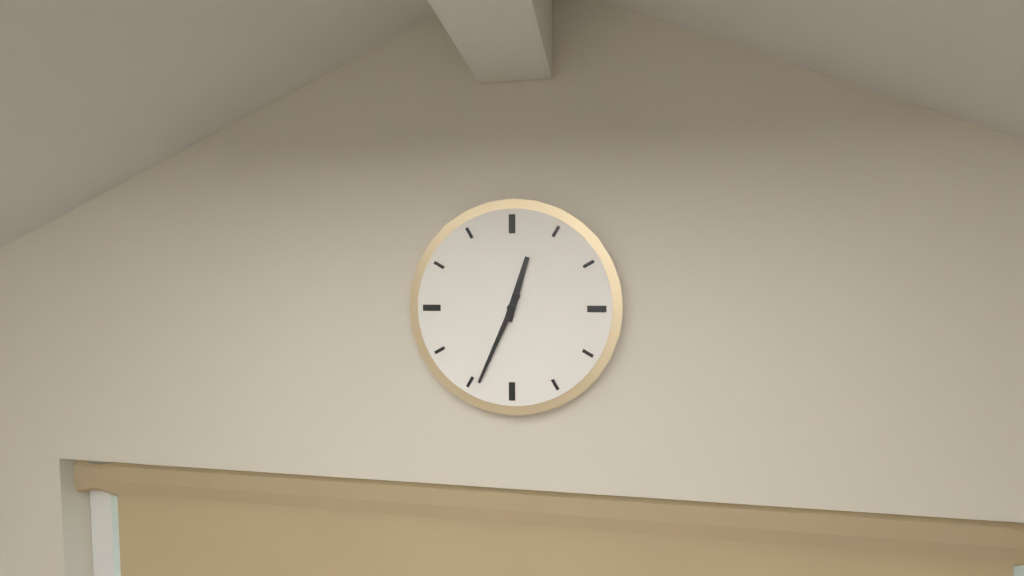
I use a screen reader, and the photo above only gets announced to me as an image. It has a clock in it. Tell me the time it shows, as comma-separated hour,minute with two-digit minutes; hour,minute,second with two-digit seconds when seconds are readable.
12,34
